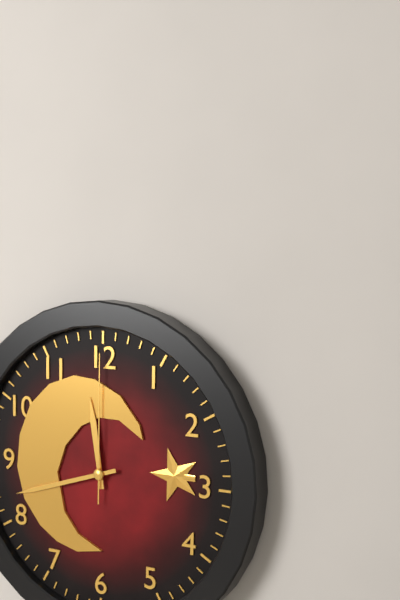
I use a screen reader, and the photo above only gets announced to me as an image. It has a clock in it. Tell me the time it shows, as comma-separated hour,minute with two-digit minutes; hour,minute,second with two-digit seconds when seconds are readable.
11,42,00
